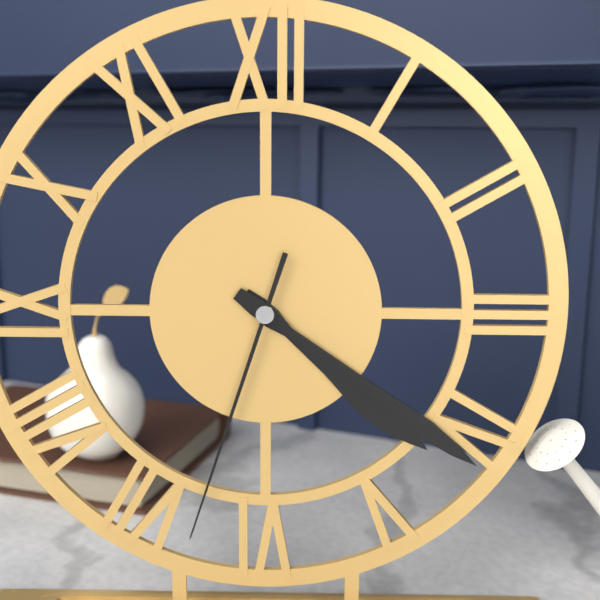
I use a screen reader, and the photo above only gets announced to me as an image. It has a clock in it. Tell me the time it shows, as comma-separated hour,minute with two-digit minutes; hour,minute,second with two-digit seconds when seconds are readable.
4,21,33
